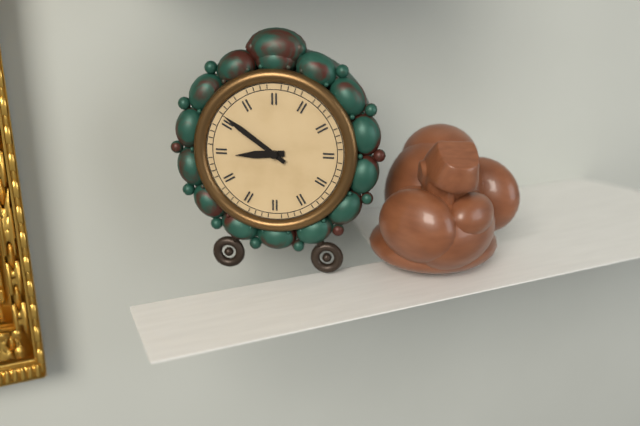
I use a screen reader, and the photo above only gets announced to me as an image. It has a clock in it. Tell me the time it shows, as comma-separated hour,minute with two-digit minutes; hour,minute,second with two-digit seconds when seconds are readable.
8,51
